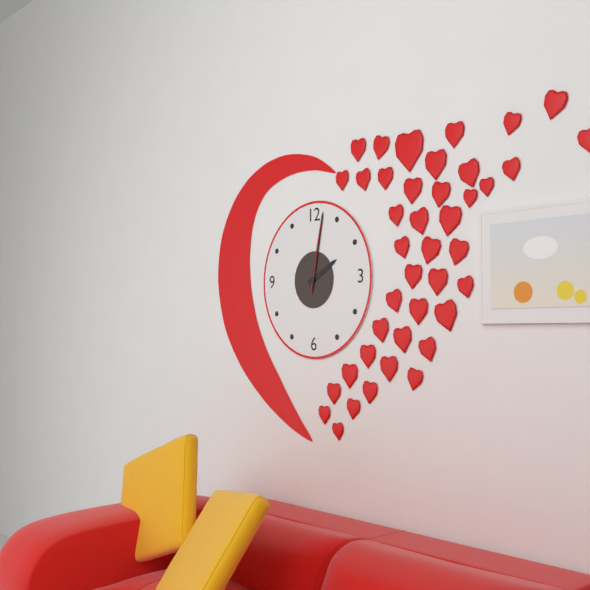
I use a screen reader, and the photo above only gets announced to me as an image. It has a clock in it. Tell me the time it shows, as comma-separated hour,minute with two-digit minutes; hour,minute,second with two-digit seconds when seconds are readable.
2,02,02
